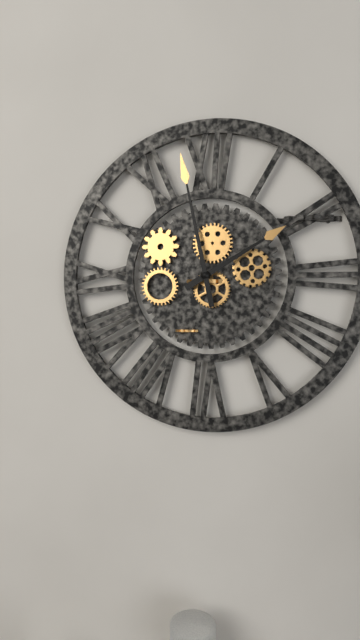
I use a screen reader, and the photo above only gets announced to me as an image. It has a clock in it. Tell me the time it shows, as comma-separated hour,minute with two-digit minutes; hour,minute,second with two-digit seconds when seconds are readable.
1,58
